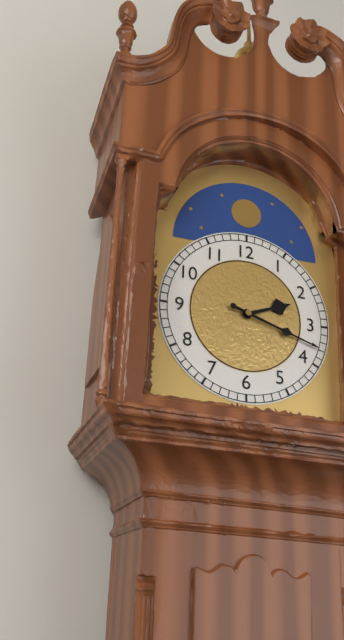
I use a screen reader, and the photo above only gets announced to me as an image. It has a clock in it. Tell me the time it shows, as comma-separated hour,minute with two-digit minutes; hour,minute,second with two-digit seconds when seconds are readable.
2,18
